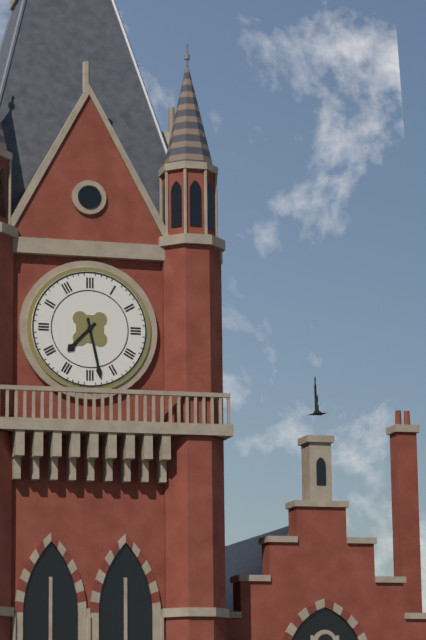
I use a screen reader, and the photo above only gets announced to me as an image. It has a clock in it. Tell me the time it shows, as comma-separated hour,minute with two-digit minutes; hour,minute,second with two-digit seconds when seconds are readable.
7,28
